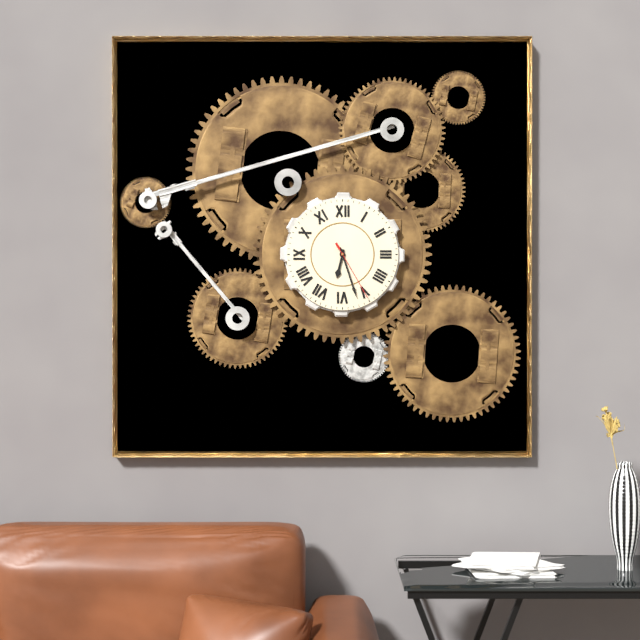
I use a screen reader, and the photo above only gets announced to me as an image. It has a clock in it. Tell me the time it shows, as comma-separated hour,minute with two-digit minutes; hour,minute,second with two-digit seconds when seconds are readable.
6,27,25
